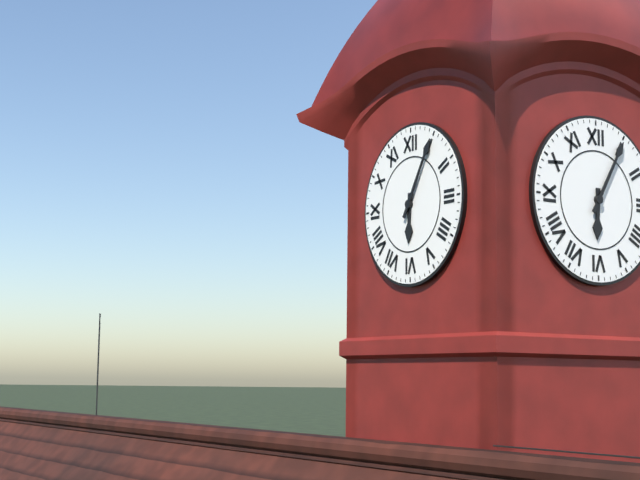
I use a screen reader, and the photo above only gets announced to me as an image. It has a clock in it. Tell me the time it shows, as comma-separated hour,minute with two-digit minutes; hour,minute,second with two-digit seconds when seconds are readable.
6,05
